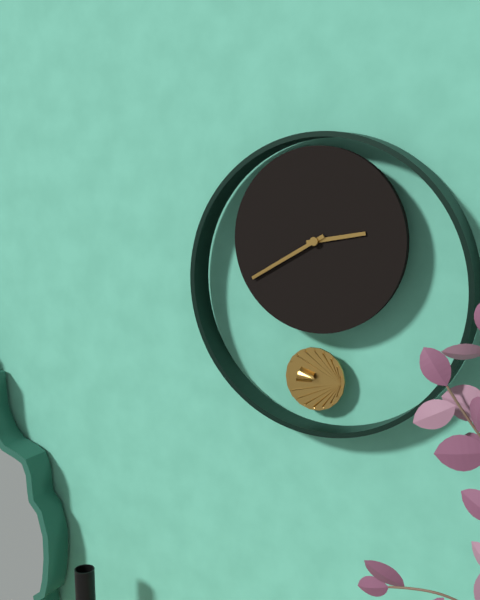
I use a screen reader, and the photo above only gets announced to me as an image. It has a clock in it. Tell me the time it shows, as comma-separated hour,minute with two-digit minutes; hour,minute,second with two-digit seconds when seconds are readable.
2,40
